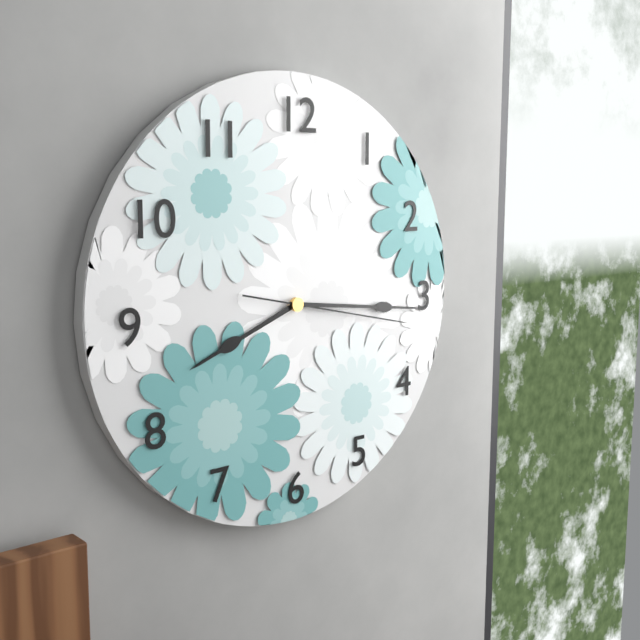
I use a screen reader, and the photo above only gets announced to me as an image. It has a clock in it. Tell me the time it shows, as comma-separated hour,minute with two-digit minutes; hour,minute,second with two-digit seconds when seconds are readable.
8,16,17
